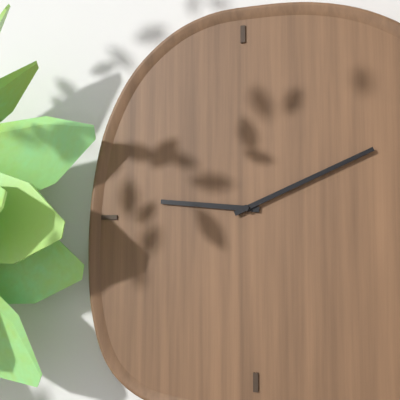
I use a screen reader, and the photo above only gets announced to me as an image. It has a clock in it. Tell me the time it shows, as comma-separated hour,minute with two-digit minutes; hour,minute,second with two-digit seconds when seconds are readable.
9,11
